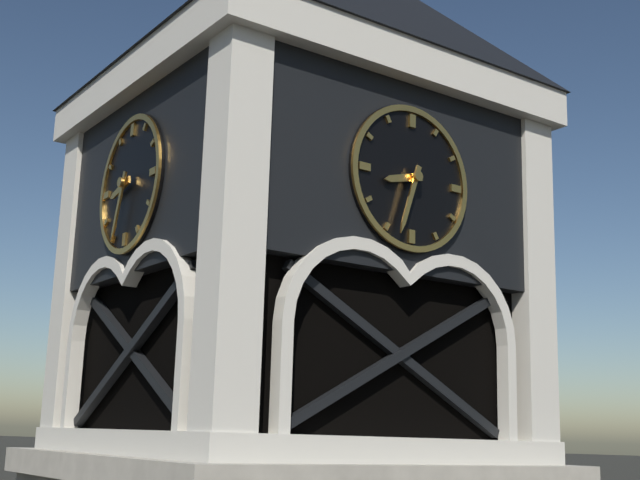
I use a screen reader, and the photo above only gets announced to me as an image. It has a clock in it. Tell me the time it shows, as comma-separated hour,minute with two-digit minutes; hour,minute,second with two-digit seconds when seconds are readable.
8,33
